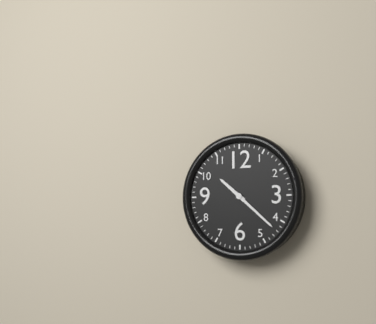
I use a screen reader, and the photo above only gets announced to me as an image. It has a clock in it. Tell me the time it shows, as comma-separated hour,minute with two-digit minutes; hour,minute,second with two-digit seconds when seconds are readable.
10,22
